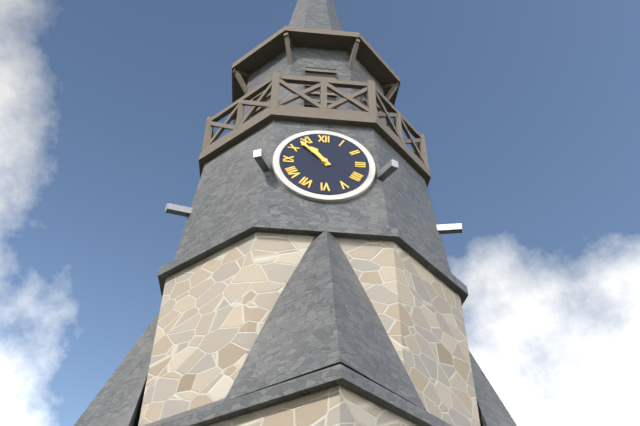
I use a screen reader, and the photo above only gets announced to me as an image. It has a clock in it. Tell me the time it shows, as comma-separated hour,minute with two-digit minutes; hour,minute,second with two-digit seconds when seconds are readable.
10,53
